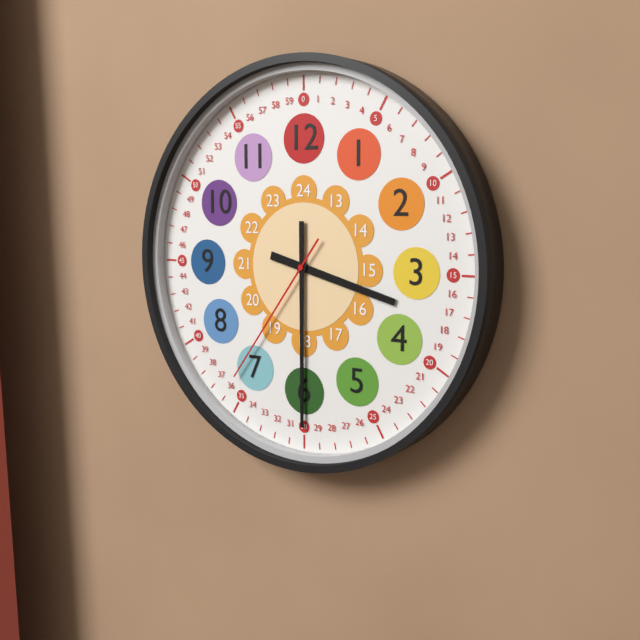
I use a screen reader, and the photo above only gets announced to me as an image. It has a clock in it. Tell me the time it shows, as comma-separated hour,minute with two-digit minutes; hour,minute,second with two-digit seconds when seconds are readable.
3,30,36
